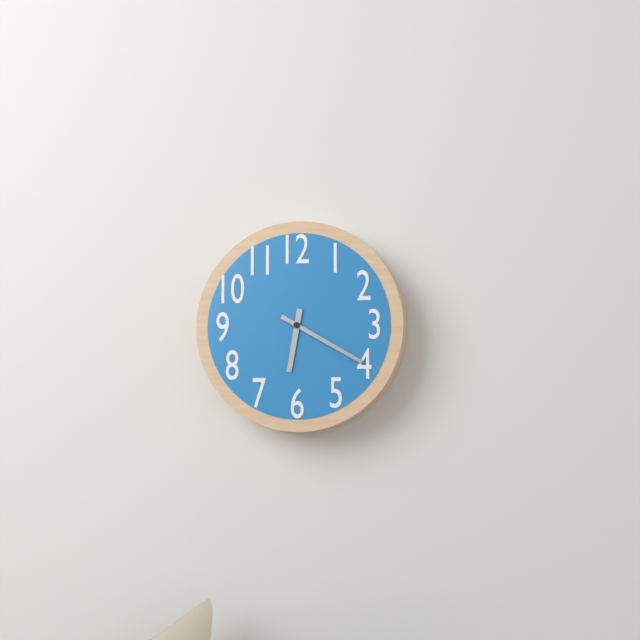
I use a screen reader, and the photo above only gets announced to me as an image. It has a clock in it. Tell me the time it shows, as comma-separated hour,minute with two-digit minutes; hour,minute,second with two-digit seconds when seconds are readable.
6,20
